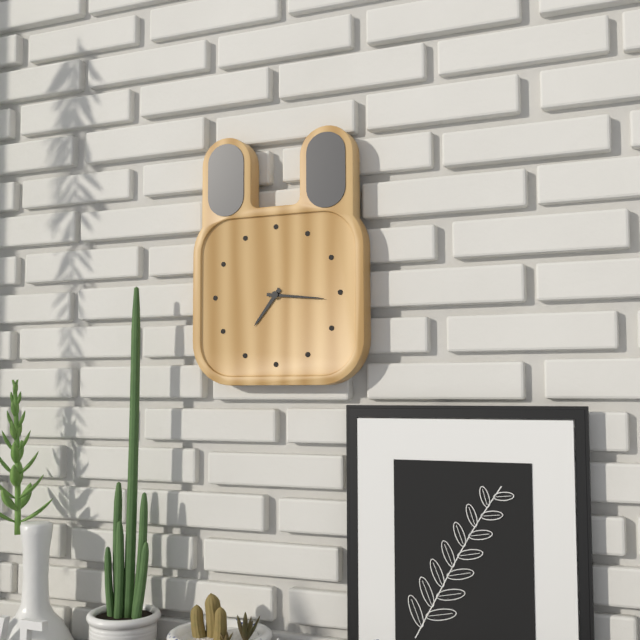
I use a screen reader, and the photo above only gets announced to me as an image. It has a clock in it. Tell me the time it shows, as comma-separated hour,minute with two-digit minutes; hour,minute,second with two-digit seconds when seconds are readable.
7,16
